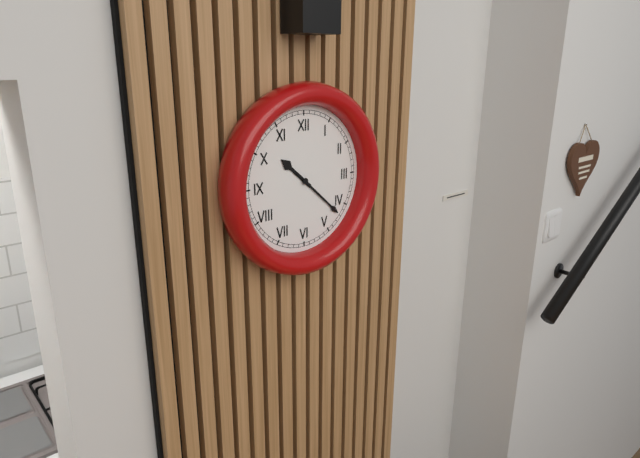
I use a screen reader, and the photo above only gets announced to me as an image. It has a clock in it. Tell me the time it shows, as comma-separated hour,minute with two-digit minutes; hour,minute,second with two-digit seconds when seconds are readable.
10,22
